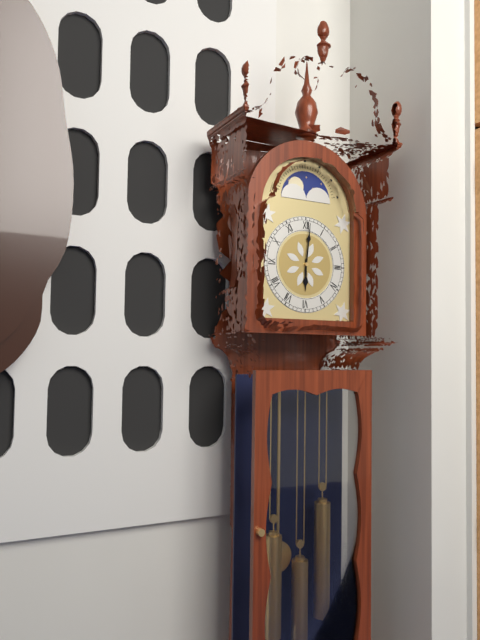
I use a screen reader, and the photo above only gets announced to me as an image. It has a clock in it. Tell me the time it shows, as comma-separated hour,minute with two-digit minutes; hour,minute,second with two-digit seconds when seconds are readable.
6,01
